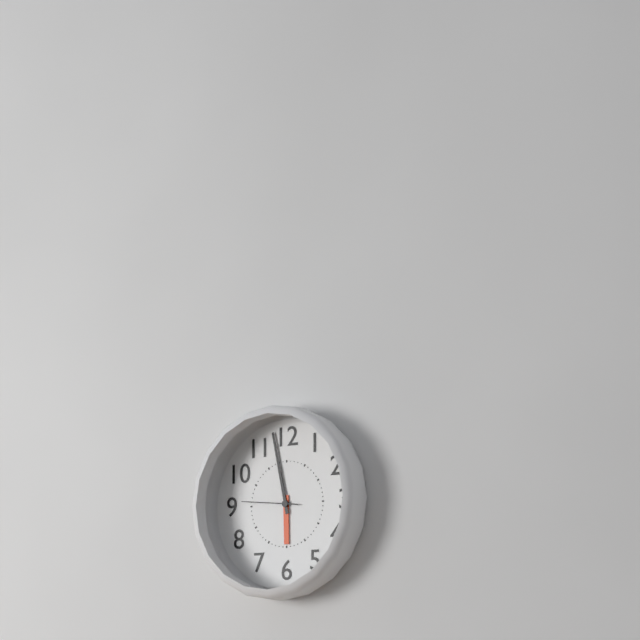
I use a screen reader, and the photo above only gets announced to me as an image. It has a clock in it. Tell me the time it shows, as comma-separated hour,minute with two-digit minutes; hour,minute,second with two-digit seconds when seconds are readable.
5,58,46
